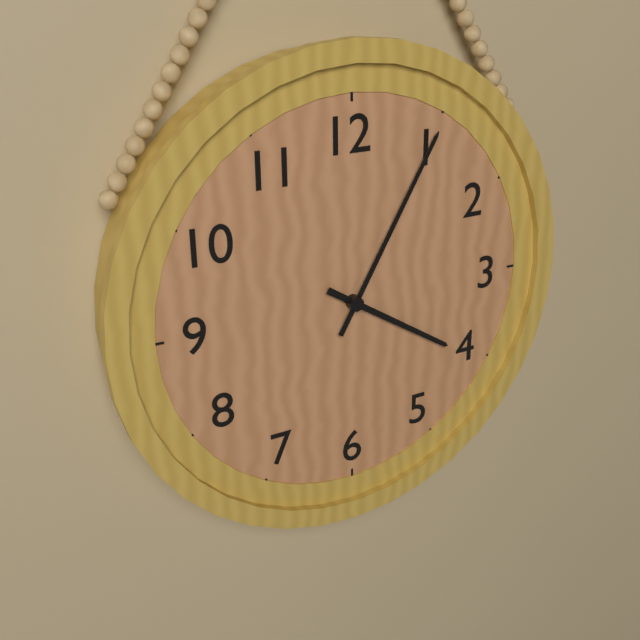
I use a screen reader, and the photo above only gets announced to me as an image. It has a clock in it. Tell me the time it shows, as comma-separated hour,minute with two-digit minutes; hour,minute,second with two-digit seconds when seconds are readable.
4,05
